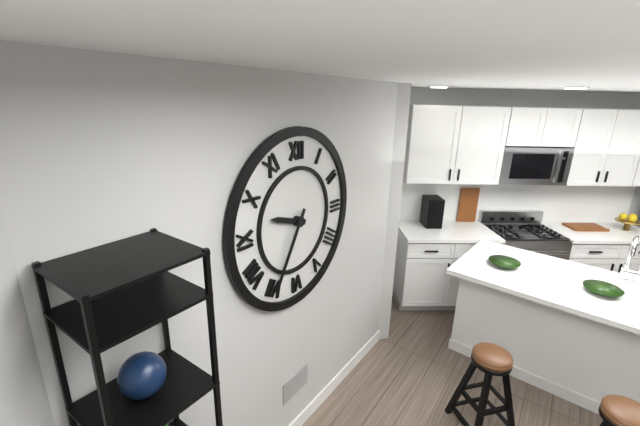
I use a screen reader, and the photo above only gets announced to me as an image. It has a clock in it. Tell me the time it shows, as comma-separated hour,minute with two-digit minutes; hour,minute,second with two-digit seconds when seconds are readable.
9,35
